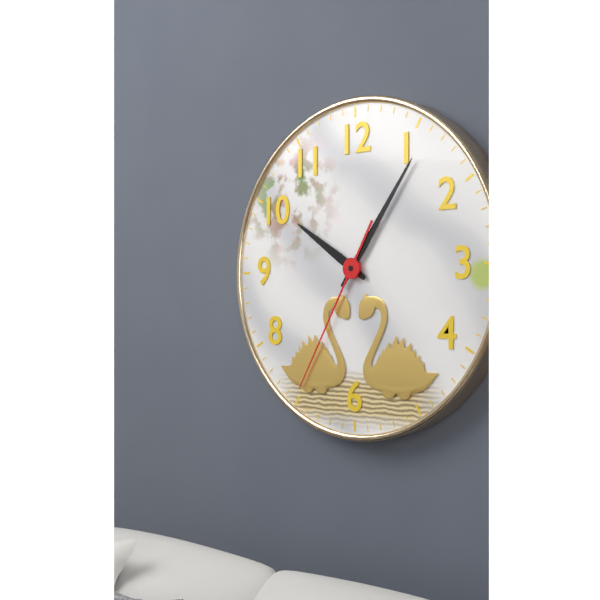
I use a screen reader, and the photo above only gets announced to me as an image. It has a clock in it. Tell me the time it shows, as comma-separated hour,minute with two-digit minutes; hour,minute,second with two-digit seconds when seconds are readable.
10,06,35
